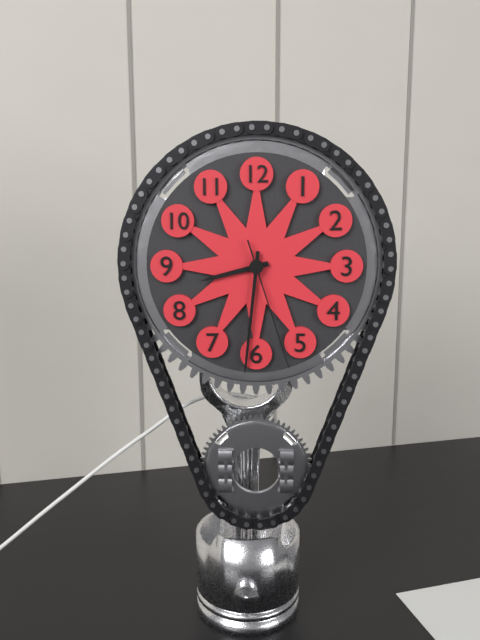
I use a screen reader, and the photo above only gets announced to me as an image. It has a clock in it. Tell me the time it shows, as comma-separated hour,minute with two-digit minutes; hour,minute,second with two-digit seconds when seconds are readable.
8,31,27
